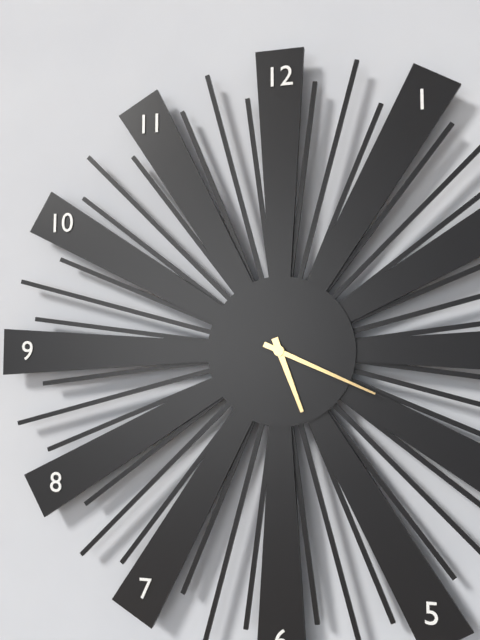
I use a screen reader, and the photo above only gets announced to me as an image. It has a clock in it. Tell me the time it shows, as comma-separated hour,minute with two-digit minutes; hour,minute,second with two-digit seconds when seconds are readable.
5,19
